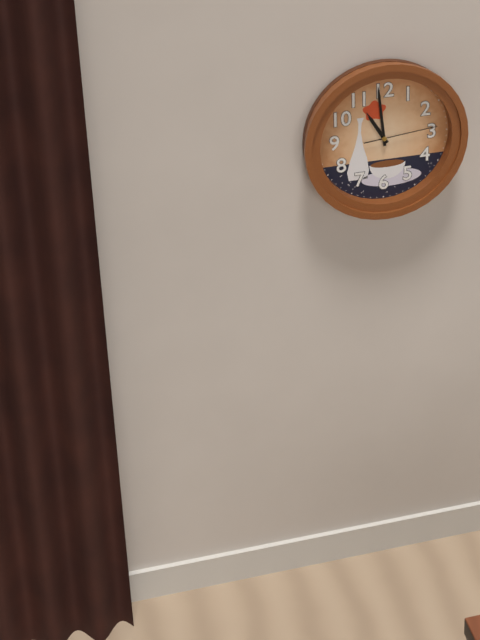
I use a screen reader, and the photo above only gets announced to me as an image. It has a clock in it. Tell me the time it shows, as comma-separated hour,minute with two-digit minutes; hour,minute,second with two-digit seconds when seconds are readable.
10,59,14
